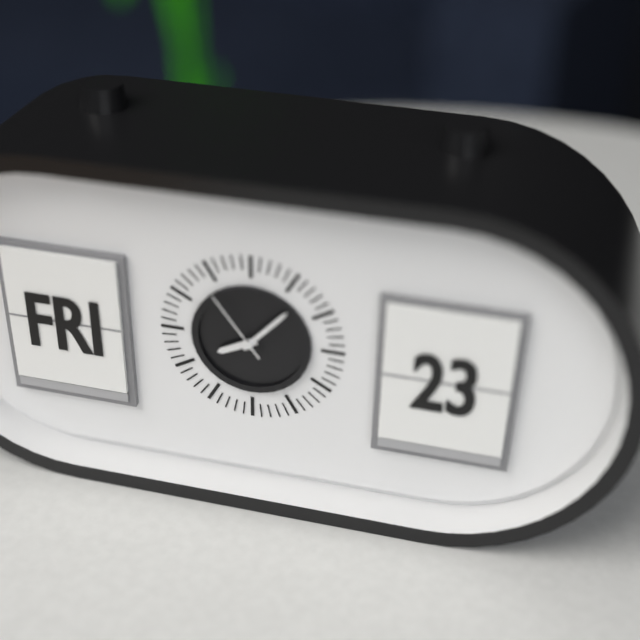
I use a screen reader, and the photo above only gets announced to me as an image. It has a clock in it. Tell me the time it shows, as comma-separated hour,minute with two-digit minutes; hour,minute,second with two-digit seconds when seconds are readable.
8,07,54
